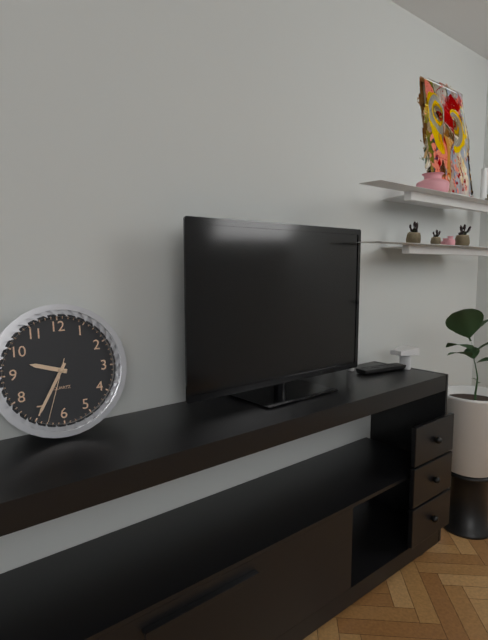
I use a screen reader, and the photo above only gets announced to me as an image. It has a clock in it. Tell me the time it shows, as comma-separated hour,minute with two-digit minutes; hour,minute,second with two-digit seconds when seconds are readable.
9,35,33
